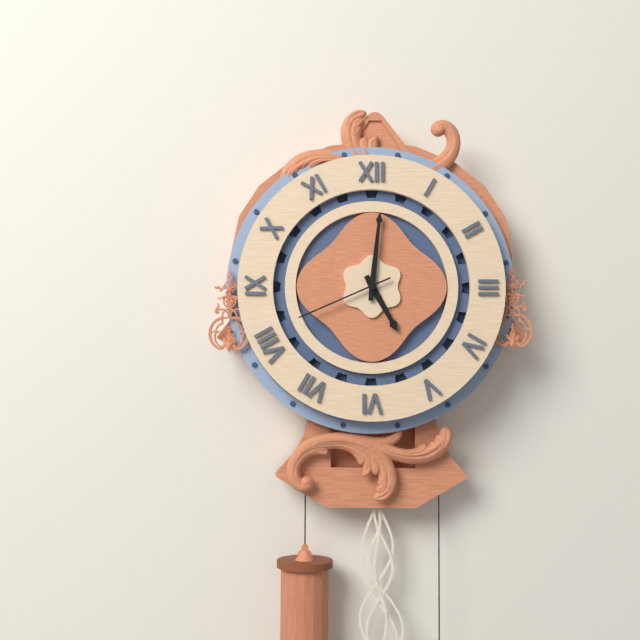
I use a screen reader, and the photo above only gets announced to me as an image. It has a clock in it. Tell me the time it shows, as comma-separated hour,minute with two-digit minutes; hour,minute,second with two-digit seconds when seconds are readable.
5,01,41
